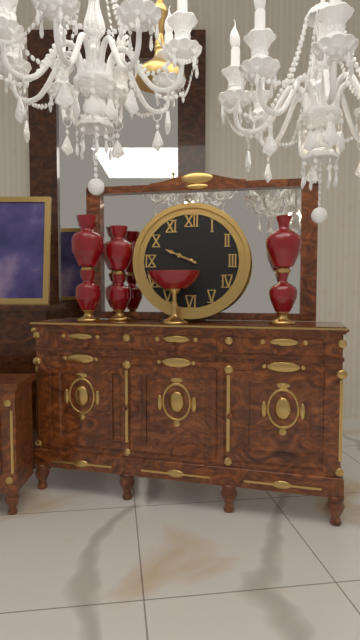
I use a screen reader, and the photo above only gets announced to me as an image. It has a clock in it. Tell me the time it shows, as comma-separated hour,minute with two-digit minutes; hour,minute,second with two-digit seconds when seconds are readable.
9,49
